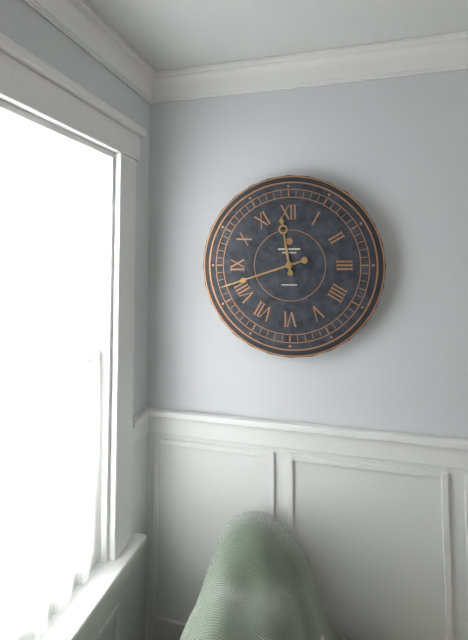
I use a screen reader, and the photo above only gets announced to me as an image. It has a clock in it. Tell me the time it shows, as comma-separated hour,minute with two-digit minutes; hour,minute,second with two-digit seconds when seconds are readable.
11,42
